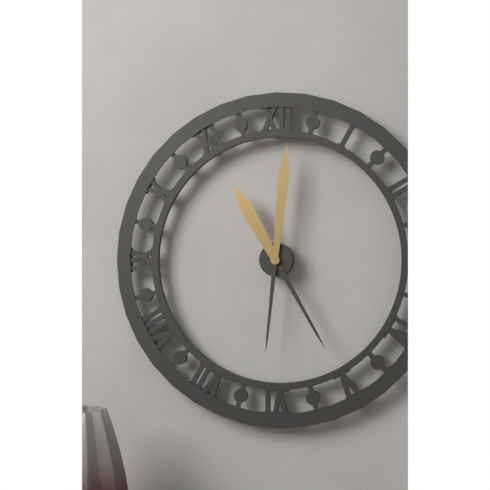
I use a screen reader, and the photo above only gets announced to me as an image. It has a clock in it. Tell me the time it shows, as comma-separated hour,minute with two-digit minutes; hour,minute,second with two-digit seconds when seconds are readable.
11,01
